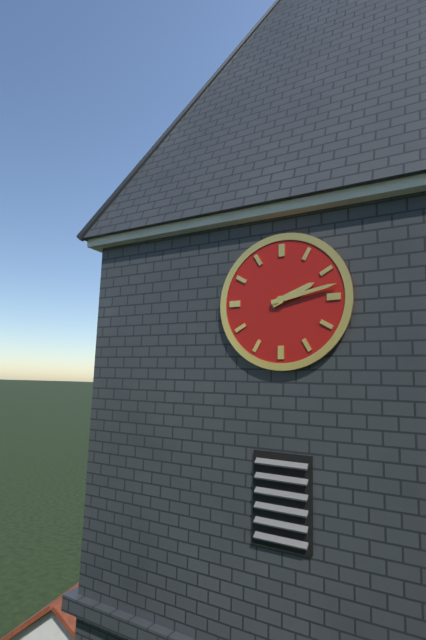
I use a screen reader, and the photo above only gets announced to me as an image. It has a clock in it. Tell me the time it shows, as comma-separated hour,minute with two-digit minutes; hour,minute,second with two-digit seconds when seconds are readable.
2,13
